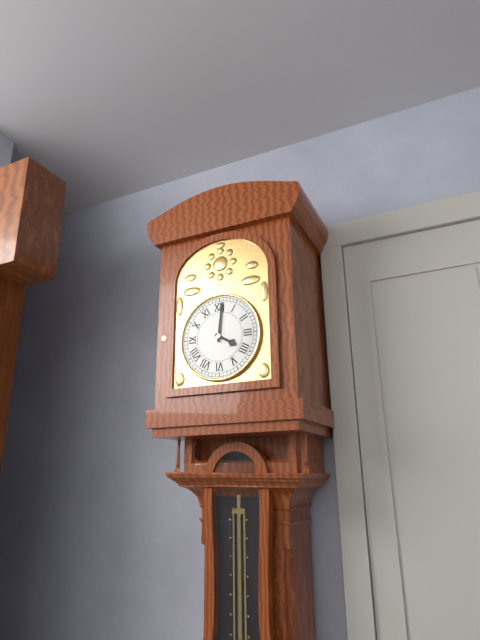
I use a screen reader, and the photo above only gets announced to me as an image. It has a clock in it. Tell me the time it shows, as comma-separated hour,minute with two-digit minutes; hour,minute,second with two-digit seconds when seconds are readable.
4,01
